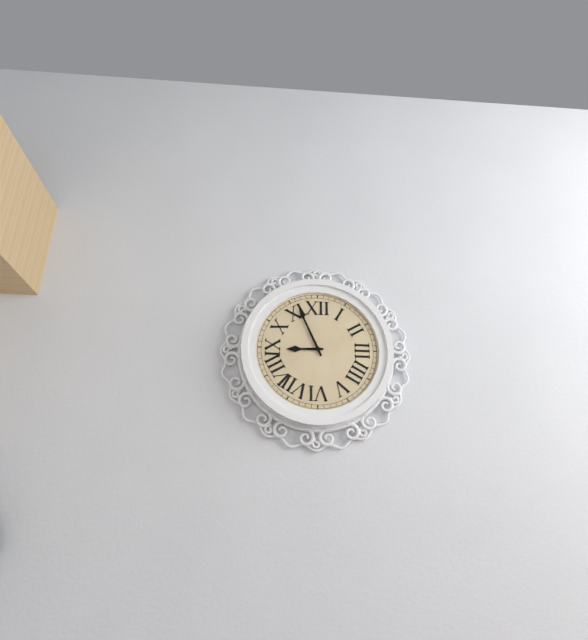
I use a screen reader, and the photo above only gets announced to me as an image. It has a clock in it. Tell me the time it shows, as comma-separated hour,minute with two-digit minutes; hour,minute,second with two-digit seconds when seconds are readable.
8,56
